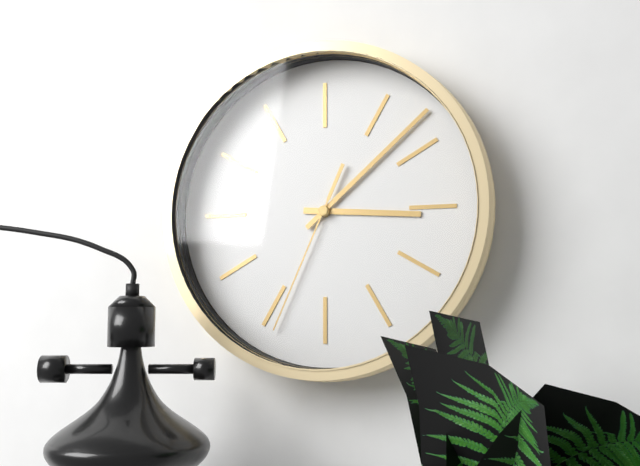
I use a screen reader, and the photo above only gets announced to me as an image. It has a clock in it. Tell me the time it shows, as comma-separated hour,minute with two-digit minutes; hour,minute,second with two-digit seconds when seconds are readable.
3,08,34
